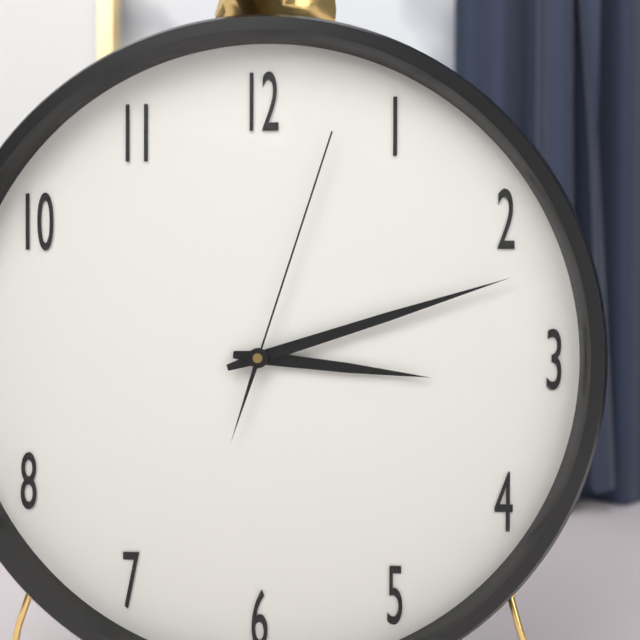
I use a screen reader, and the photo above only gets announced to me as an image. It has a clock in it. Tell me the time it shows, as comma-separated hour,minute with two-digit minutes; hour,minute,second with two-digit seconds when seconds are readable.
3,12,03
